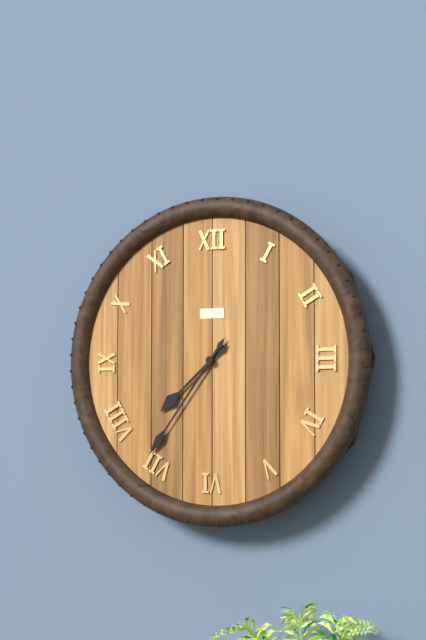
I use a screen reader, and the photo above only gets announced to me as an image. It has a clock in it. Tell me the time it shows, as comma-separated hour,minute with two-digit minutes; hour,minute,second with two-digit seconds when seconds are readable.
7,36
